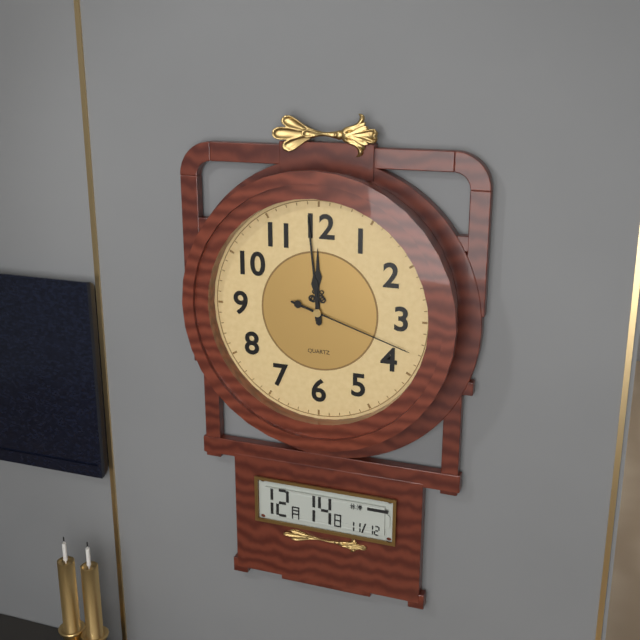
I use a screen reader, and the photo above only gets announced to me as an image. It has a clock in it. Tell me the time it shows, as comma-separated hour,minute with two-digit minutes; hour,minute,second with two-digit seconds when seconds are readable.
11,59,18
